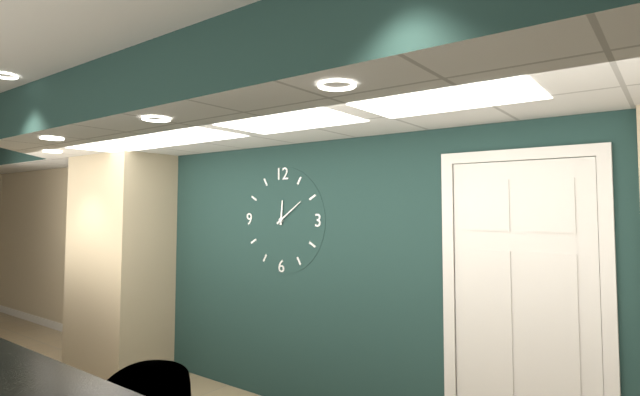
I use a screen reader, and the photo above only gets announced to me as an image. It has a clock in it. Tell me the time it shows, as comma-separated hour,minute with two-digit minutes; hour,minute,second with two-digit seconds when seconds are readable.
12,09
